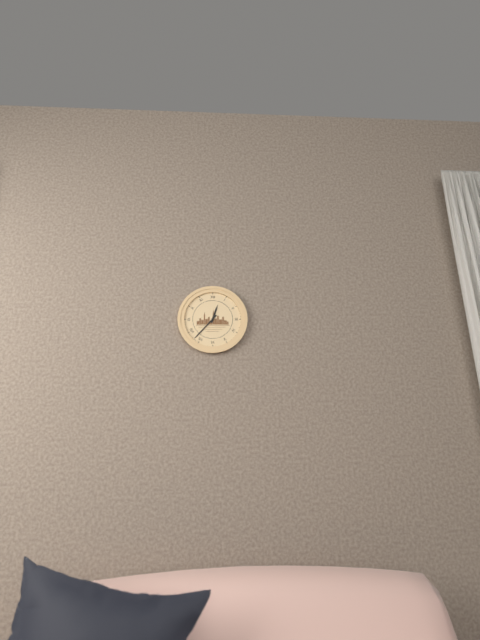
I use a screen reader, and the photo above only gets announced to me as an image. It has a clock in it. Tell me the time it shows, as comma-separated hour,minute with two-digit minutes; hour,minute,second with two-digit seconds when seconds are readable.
12,37
